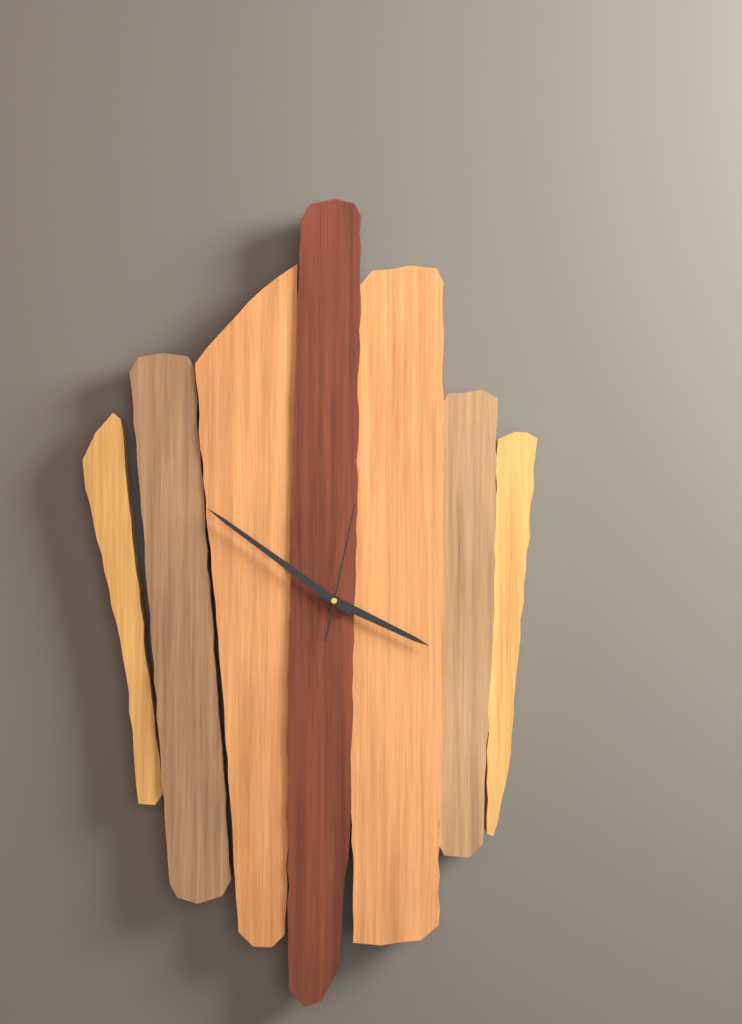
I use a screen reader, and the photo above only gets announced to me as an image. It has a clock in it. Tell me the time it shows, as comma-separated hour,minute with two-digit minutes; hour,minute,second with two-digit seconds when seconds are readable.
3,51,02
